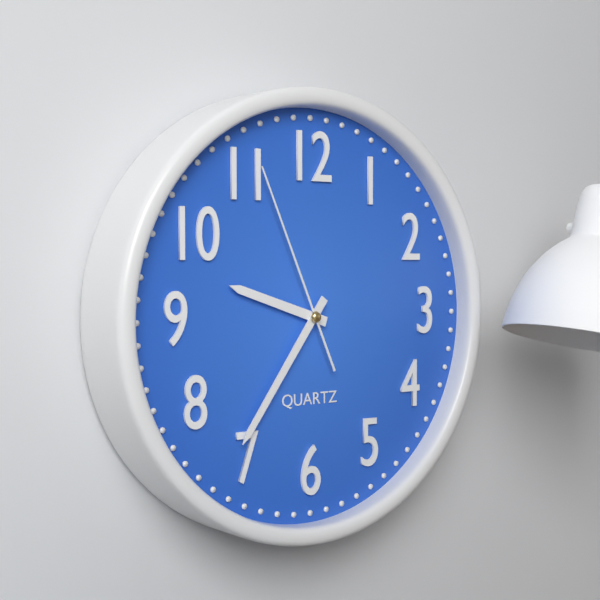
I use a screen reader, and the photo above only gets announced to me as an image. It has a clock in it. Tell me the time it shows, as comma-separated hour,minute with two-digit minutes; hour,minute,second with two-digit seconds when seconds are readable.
9,36,56
